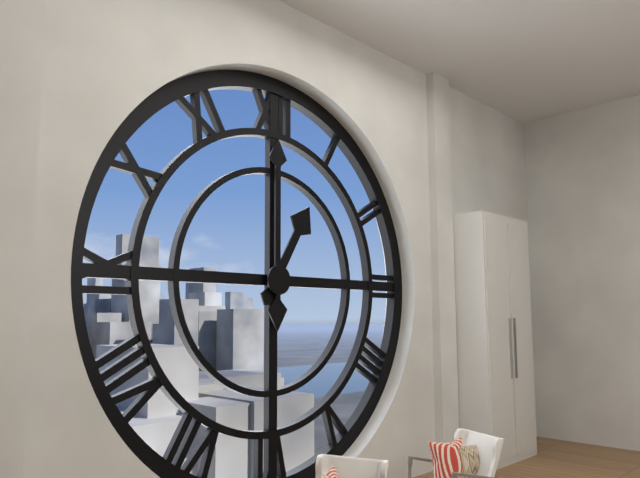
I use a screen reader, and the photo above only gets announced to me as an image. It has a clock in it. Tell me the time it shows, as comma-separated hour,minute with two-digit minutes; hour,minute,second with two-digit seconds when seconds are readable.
1,00
